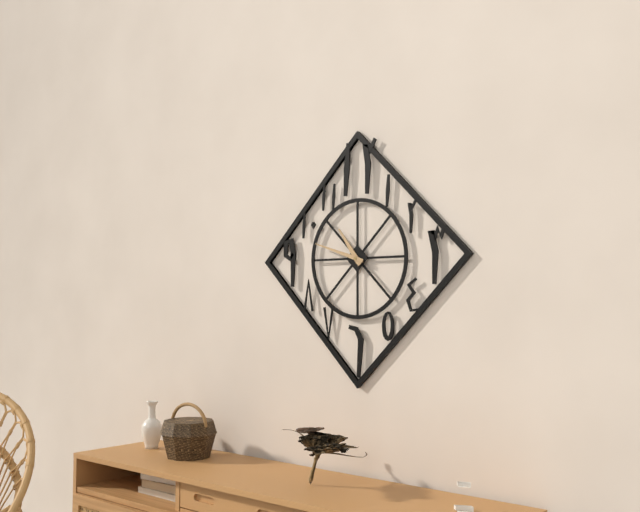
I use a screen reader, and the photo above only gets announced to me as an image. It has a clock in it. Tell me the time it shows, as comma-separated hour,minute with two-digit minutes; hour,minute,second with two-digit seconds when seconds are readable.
10,48
